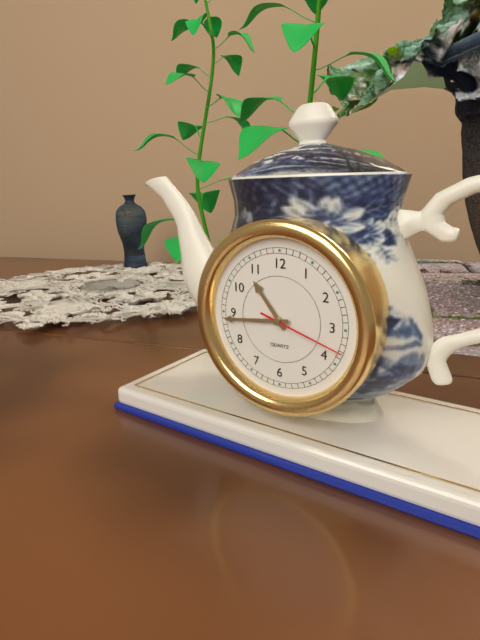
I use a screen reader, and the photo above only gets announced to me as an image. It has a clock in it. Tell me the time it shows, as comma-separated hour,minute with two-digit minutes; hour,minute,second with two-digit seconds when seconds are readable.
10,44,18
